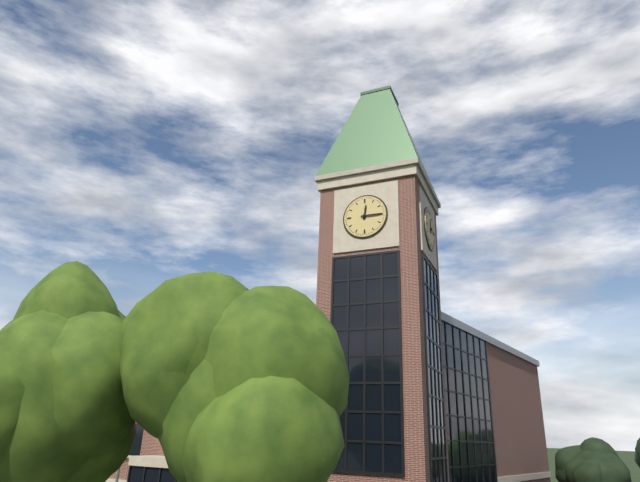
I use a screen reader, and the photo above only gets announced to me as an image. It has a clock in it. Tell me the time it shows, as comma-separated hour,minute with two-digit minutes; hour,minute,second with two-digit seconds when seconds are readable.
12,15
